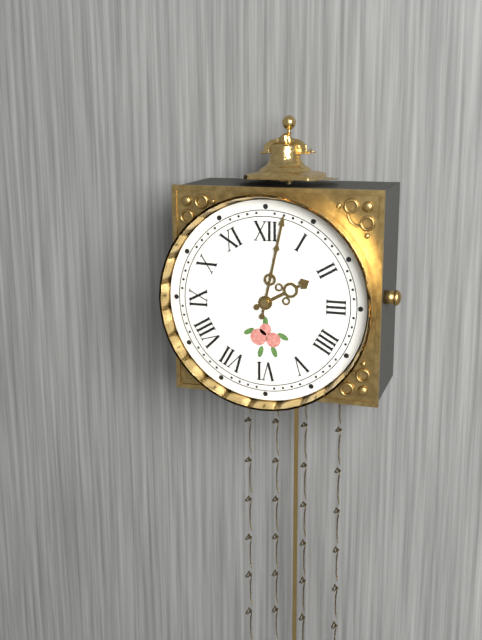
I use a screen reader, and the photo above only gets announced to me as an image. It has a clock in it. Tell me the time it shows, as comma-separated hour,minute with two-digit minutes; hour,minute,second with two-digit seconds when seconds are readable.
2,02
